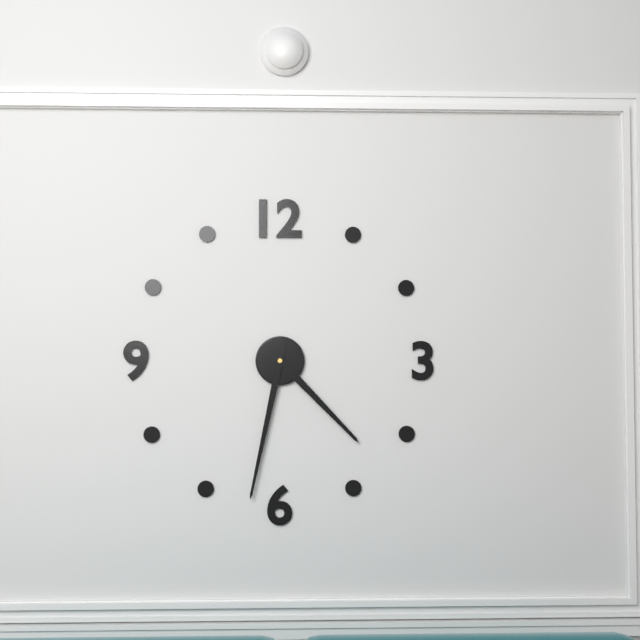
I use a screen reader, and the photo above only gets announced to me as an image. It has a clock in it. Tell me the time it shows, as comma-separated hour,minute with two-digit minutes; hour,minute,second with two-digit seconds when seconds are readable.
4,32
